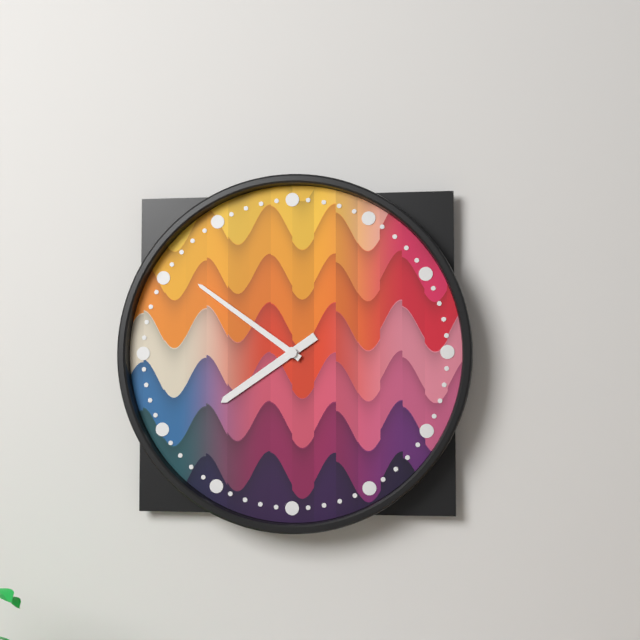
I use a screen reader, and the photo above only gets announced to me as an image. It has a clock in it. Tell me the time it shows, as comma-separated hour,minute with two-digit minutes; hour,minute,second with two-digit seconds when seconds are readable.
7,51
